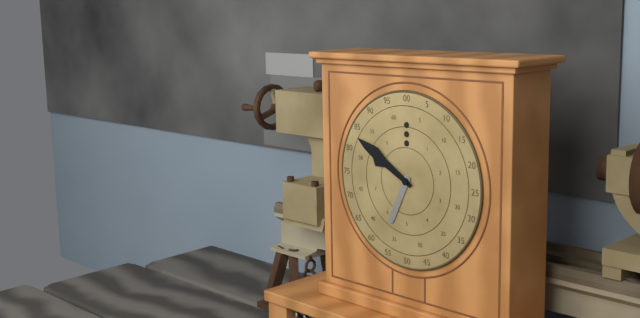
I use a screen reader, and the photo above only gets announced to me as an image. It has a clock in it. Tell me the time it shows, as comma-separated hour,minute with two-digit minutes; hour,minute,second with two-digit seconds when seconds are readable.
6,50
